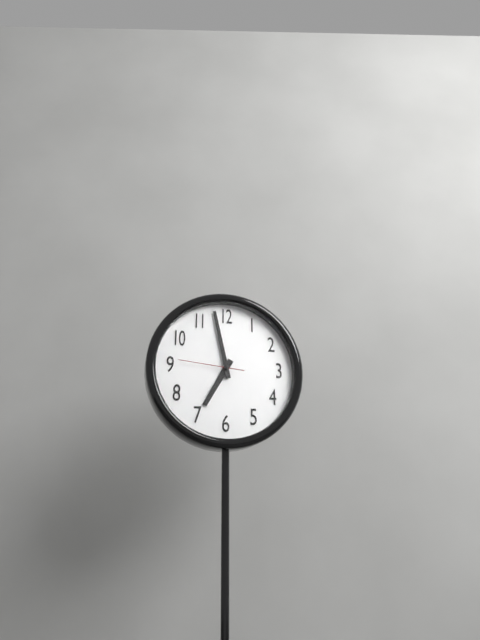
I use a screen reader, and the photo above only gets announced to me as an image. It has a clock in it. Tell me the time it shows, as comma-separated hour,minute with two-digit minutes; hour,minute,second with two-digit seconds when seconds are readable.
6,58,46
